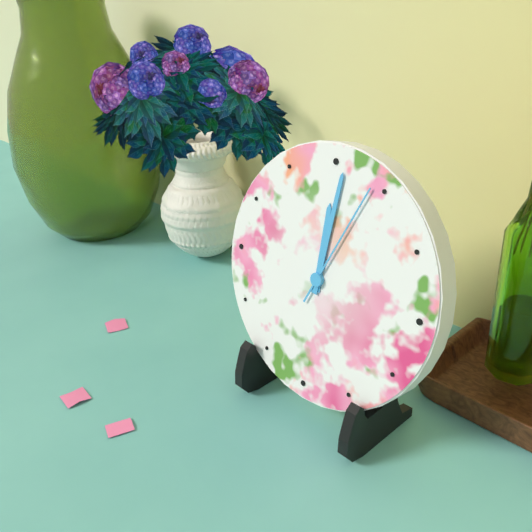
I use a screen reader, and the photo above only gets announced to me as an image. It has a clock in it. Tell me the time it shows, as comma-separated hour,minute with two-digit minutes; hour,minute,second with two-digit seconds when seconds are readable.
12,01,04
